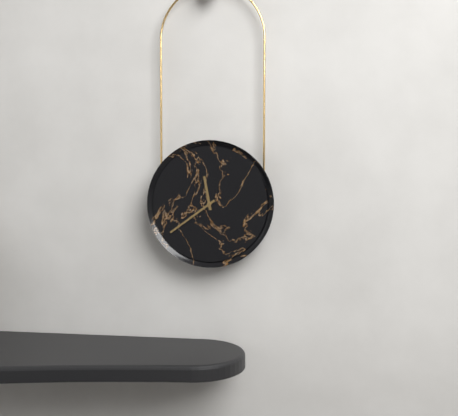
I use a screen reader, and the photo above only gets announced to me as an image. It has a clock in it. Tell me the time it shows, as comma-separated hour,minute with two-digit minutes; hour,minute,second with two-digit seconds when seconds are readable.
11,39
